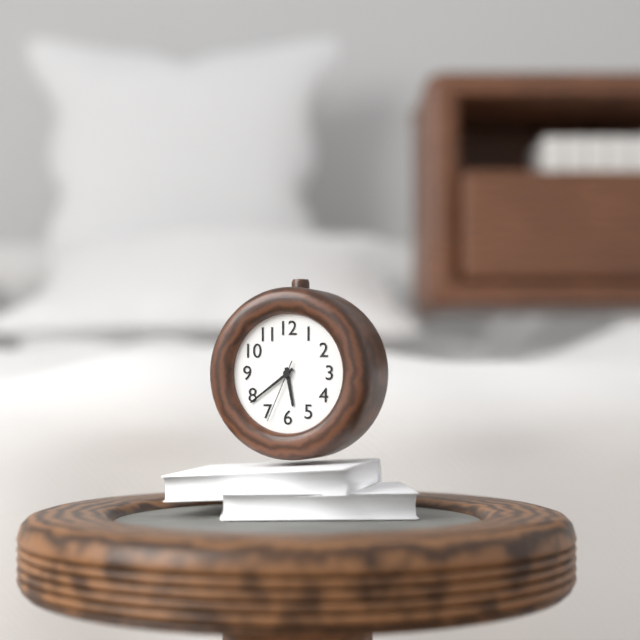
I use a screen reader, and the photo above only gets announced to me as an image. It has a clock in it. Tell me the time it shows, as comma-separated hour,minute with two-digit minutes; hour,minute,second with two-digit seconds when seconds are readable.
5,39,34
